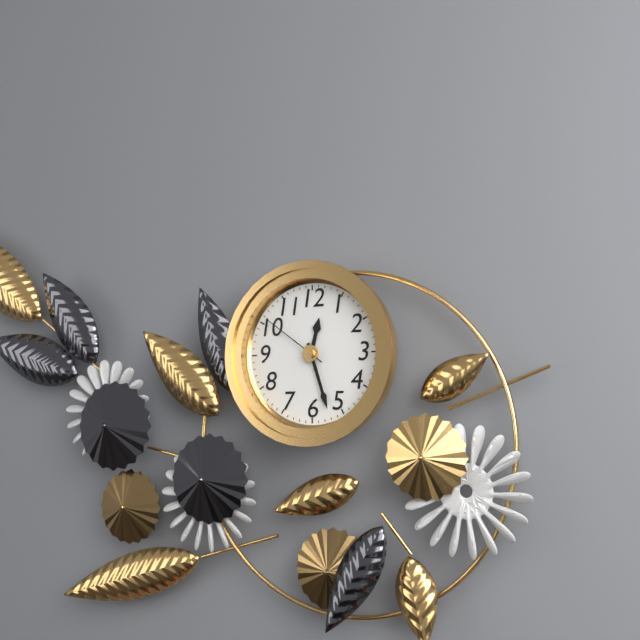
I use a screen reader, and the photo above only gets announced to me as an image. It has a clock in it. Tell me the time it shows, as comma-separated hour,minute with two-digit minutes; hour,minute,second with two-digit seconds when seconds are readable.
12,27,51
